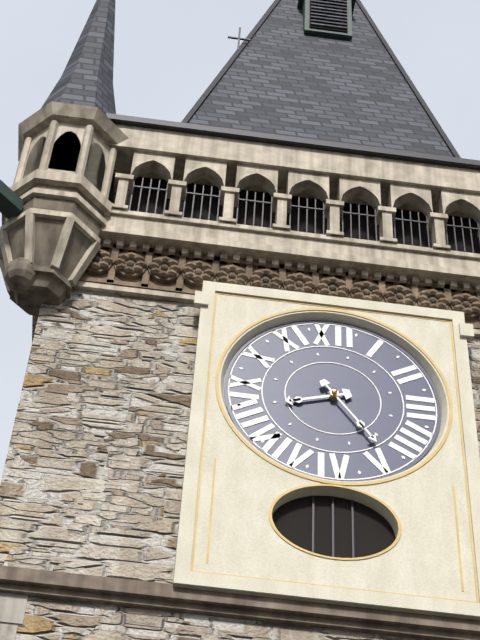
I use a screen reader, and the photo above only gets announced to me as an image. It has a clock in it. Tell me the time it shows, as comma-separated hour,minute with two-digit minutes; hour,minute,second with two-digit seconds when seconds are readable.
8,24
